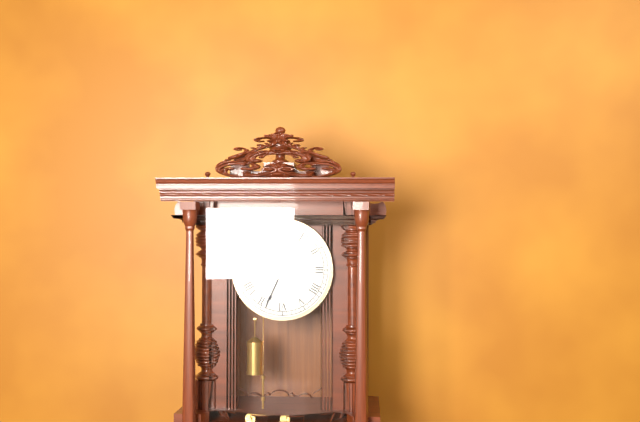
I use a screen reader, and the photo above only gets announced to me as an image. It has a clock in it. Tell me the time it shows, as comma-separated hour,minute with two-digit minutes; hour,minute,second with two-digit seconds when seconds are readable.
12,34
